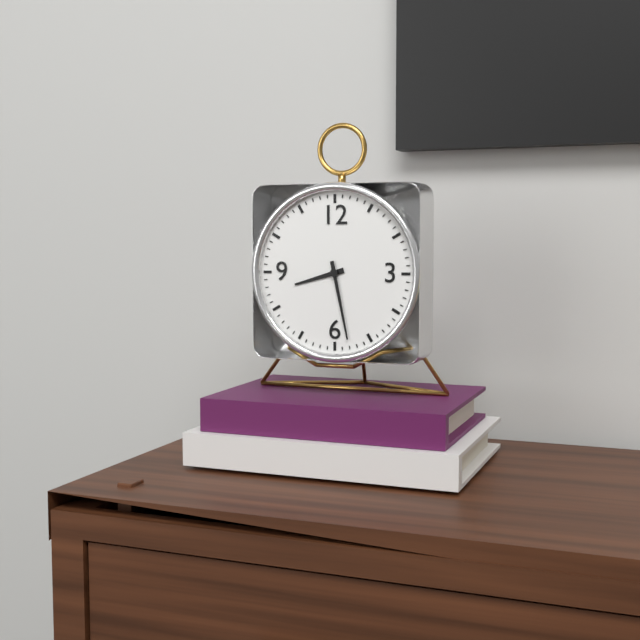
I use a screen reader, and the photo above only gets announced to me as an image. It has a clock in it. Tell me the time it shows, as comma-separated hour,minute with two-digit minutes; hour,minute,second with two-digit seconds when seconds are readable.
8,28
